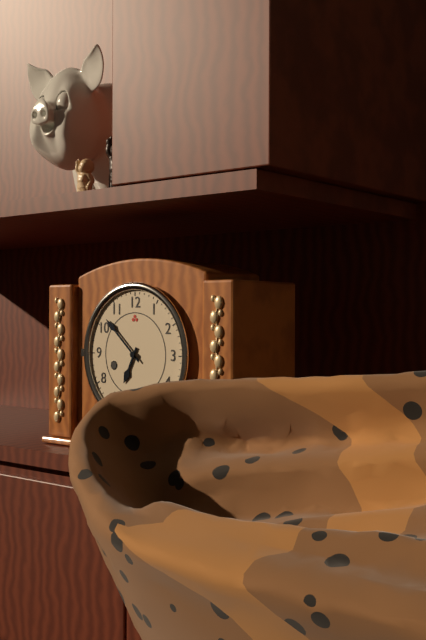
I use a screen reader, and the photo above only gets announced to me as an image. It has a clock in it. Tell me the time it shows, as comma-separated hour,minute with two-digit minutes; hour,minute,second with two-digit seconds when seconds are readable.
6,52
